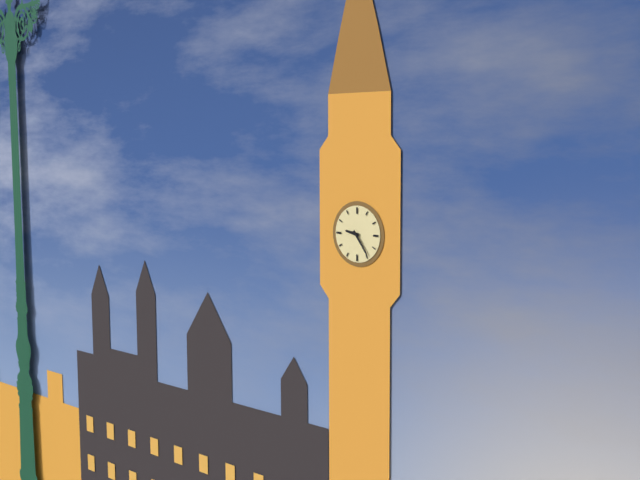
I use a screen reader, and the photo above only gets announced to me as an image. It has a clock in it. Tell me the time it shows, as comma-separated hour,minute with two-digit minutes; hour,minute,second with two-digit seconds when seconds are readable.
9,24
